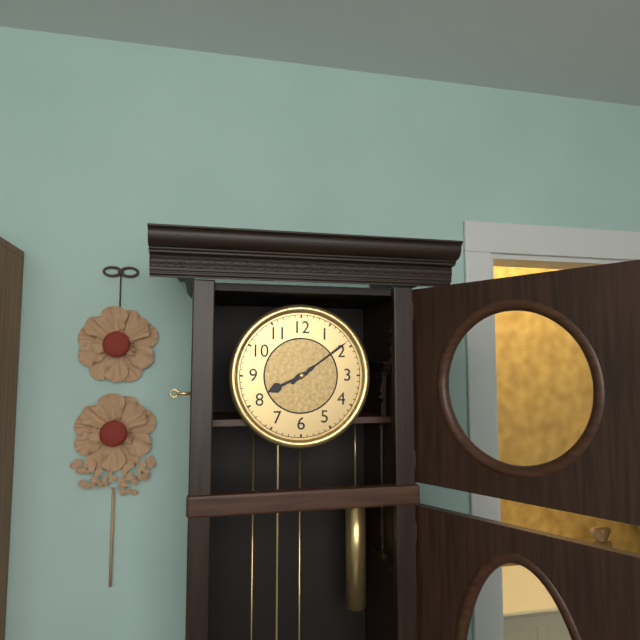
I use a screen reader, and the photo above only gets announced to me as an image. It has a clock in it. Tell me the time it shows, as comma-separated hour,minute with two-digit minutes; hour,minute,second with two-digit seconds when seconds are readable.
8,09
